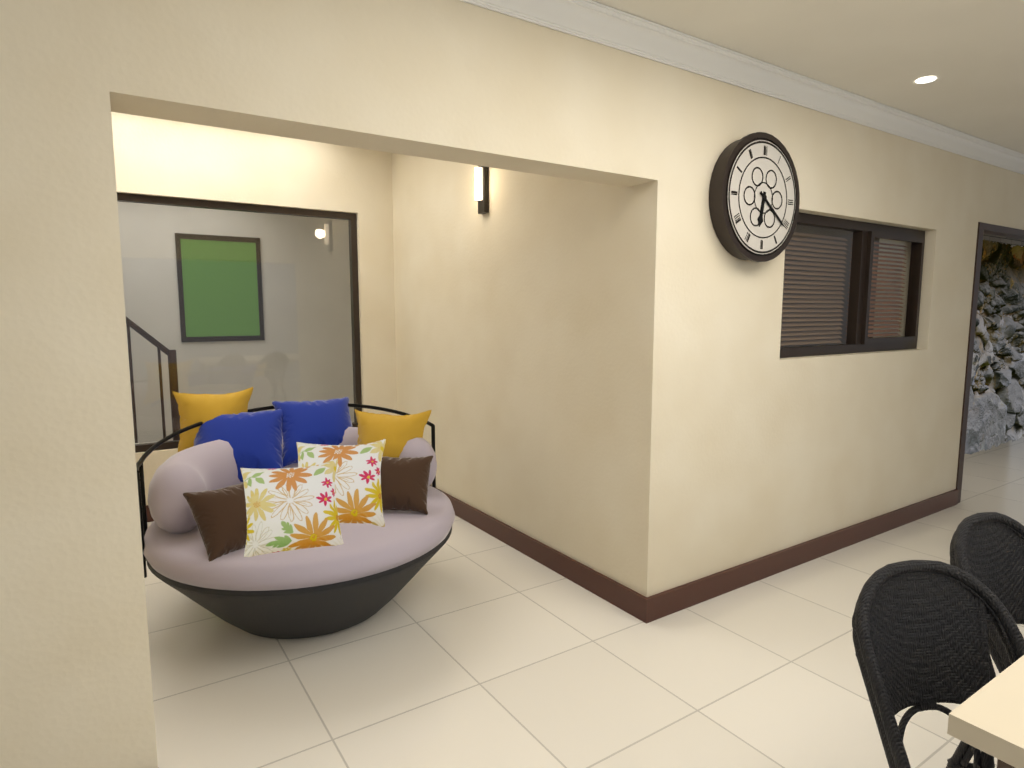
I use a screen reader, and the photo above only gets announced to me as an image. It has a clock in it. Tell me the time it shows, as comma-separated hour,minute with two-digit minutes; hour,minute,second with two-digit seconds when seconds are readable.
6,21
